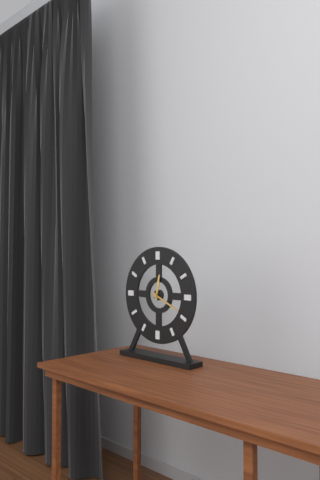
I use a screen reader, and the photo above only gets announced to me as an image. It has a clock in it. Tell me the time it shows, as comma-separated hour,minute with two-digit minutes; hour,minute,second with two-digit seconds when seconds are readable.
12,19
